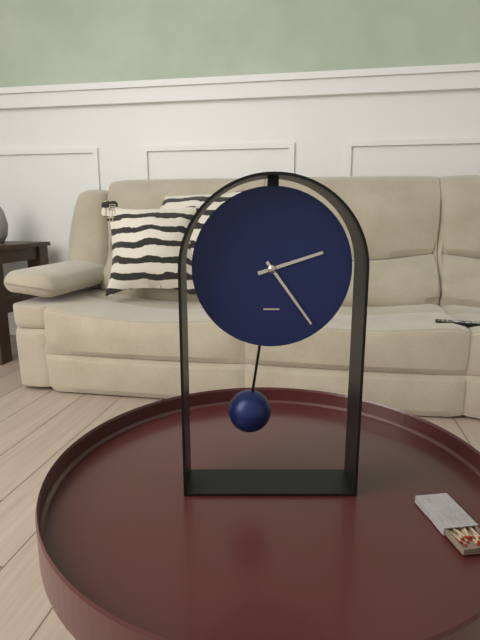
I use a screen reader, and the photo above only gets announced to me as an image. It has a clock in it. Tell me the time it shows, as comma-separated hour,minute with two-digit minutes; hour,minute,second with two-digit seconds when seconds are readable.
2,24
